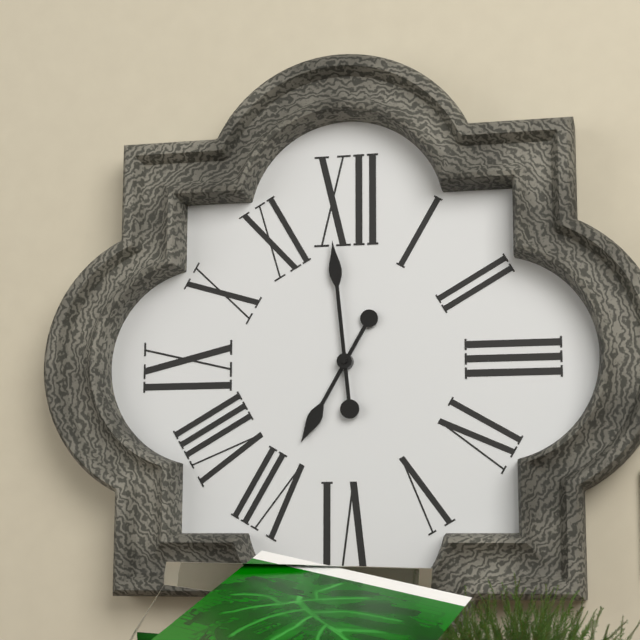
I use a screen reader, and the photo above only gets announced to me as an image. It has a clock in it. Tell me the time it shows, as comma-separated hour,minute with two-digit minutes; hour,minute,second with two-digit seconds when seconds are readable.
6,59
